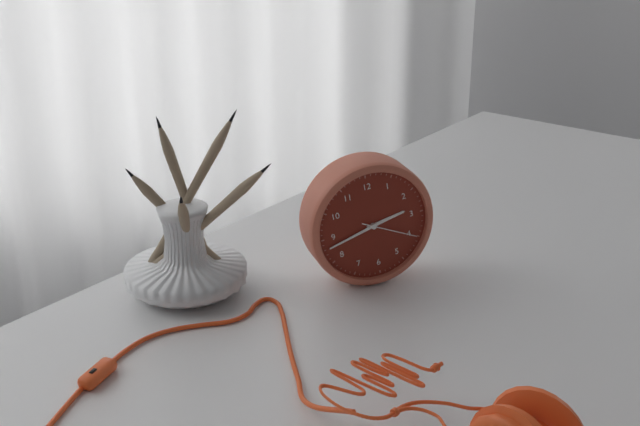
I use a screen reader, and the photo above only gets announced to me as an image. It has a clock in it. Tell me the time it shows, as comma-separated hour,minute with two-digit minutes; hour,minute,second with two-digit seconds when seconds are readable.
2,43,20
